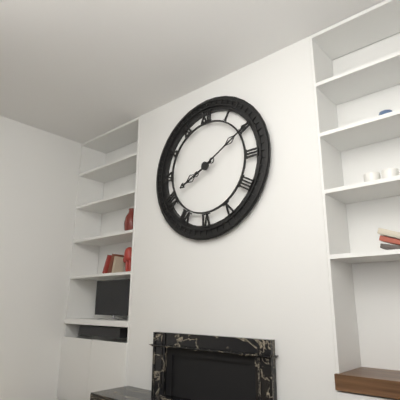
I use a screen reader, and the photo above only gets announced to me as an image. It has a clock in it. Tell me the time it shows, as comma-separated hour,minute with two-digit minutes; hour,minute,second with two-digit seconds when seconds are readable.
8,10
